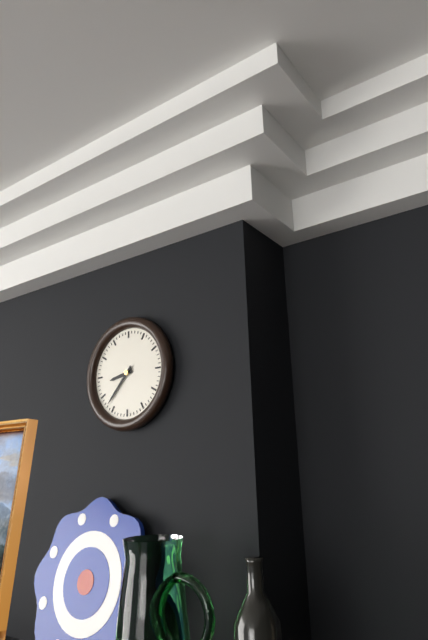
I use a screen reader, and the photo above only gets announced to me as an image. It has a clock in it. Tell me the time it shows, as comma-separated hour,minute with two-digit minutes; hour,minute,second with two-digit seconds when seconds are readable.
8,37
